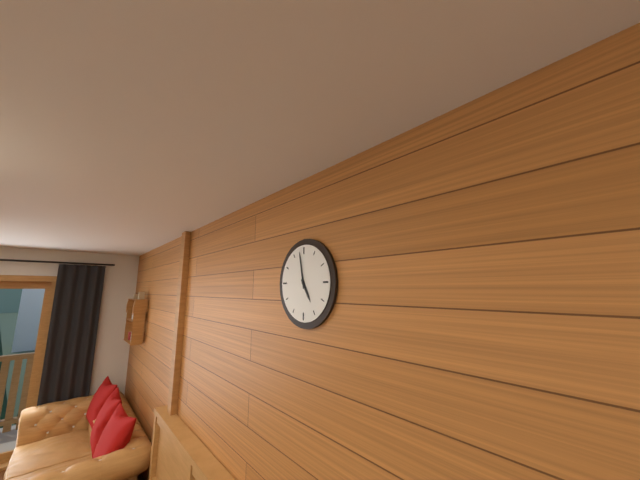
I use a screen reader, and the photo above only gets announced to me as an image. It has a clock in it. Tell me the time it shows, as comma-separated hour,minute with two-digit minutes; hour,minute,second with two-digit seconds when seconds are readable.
4,58
